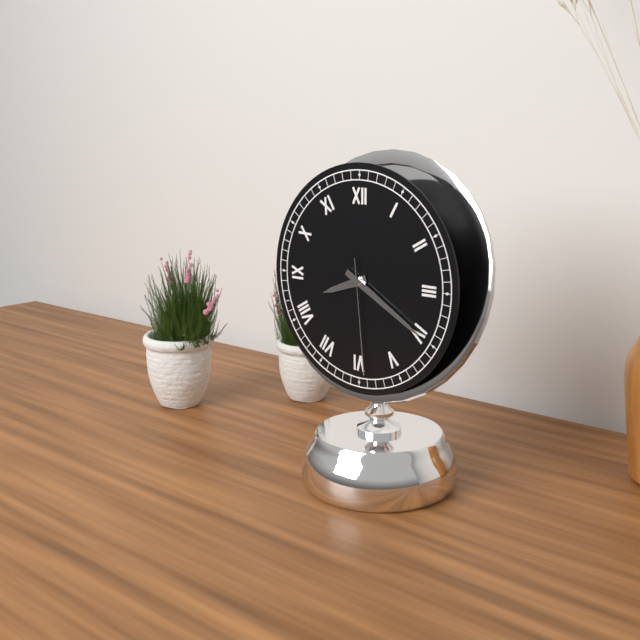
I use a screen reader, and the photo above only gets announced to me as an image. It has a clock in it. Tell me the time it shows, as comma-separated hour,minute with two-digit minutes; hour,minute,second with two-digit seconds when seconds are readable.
8,20,29
